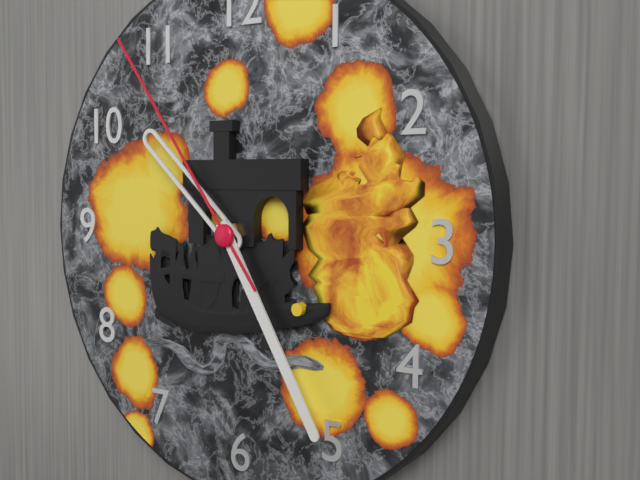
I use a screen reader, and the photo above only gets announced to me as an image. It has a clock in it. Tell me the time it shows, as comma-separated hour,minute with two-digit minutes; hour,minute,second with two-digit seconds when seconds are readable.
10,25,54
